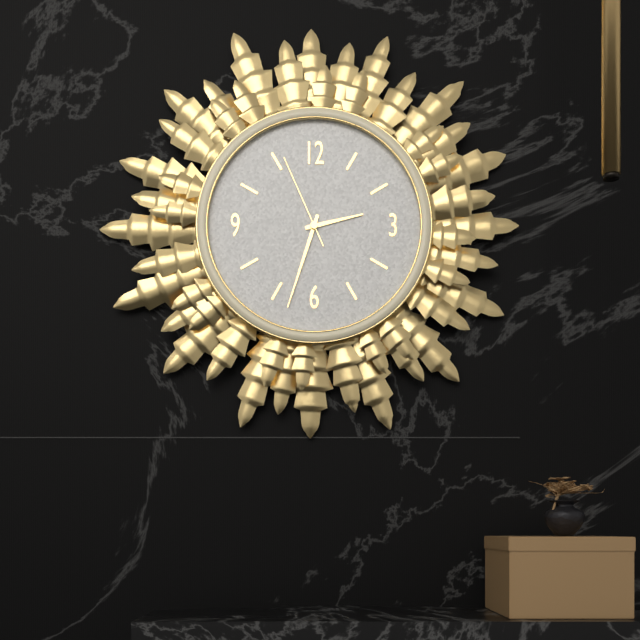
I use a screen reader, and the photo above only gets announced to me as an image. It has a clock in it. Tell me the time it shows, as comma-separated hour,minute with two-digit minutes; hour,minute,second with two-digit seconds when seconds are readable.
2,33,56
